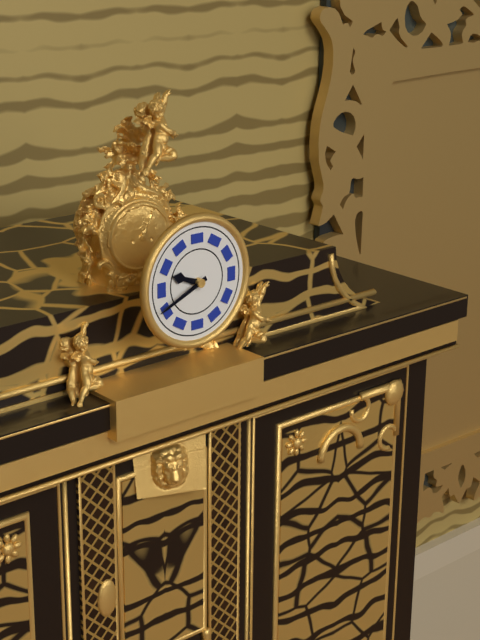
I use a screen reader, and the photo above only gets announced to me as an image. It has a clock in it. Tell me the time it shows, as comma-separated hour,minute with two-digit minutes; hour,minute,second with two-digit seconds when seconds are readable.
9,41
